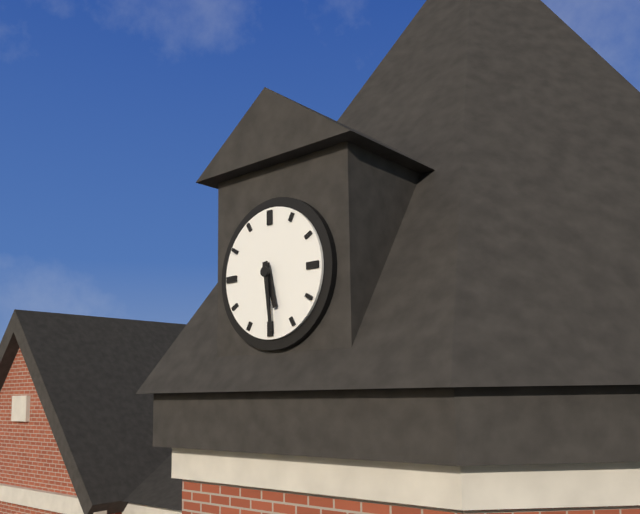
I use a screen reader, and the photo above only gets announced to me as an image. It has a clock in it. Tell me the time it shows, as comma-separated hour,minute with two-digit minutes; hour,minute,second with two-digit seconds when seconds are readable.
5,29
